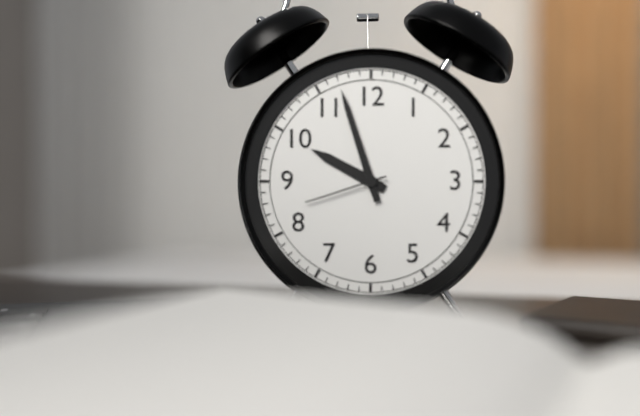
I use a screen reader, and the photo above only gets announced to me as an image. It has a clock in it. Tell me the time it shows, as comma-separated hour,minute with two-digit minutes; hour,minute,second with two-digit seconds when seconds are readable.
9,57,42
